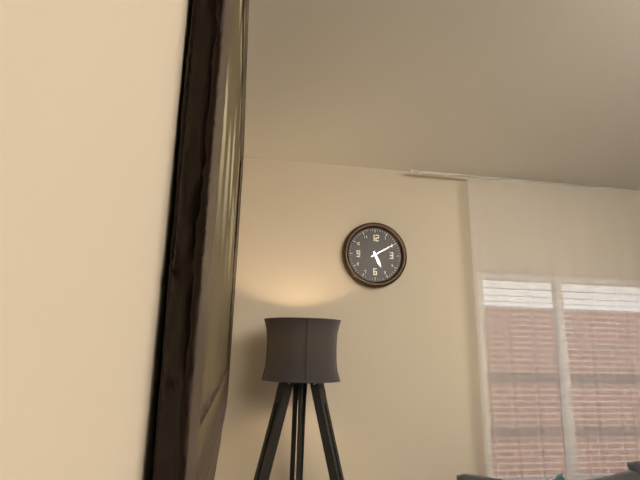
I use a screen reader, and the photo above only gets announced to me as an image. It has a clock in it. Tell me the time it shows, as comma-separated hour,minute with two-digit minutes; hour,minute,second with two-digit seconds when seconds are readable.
5,10
